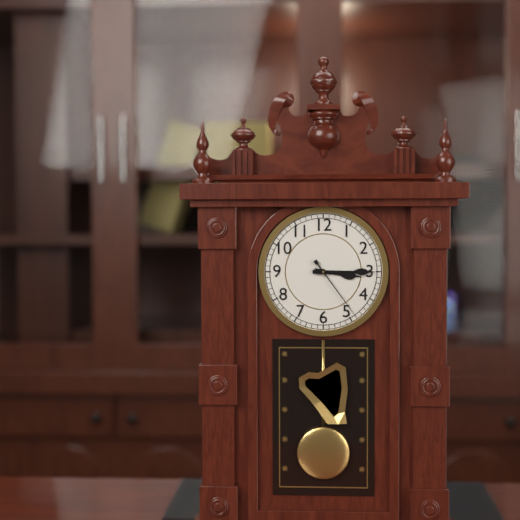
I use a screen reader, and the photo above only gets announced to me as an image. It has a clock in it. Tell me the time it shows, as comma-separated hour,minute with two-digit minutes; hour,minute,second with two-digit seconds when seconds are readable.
3,15,24
